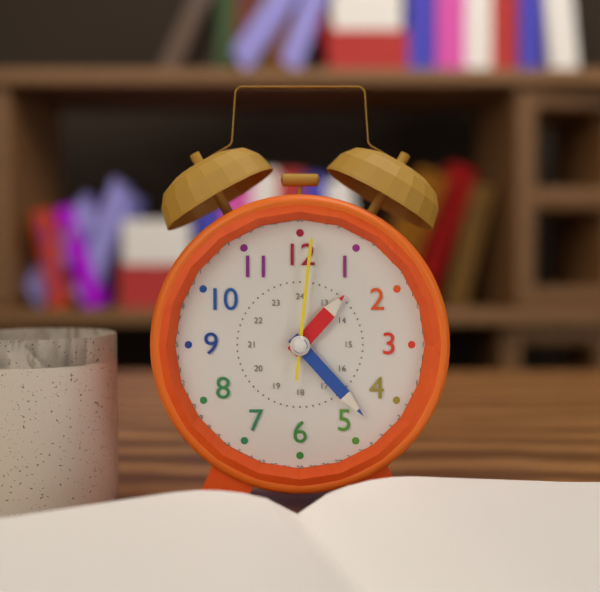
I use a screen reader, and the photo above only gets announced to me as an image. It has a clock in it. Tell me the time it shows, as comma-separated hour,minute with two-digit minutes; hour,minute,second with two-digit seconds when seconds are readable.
1,23,01
